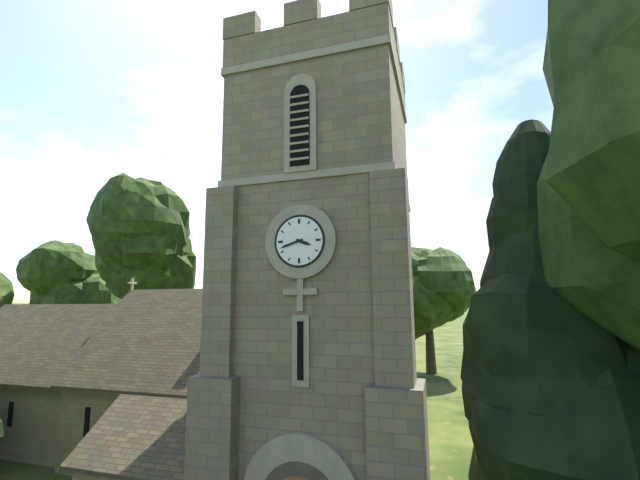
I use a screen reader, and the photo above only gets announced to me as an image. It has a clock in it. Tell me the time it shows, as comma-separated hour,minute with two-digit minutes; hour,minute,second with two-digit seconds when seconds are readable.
3,42
